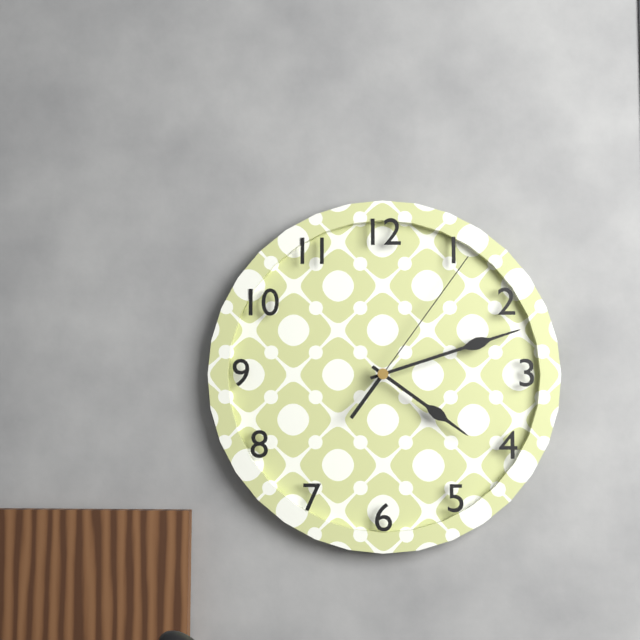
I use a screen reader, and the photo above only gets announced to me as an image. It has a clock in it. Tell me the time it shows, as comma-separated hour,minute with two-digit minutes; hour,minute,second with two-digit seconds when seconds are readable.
4,12,06
